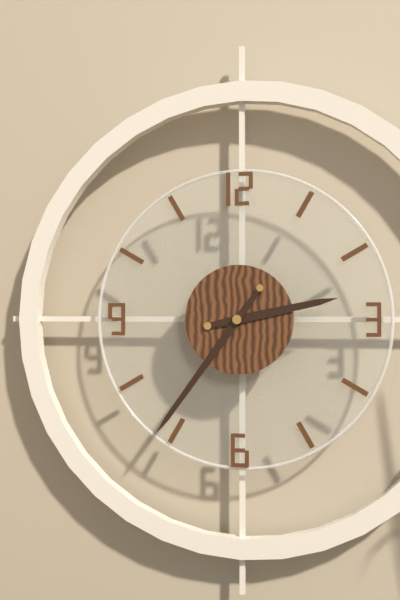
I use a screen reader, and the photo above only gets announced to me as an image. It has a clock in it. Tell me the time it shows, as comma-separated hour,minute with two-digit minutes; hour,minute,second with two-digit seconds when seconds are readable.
2,36
